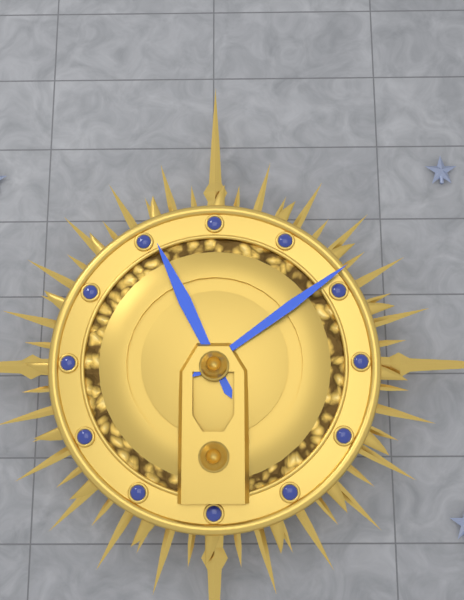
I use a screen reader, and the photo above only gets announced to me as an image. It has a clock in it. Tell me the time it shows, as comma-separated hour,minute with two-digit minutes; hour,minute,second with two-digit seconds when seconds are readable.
11,09
